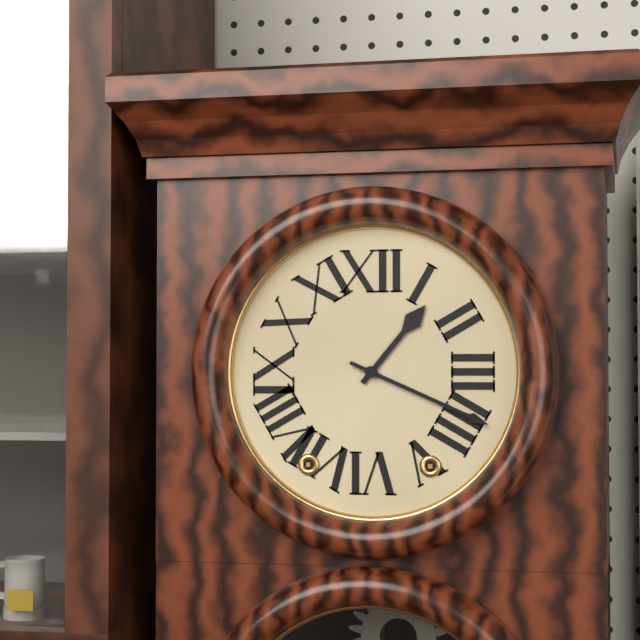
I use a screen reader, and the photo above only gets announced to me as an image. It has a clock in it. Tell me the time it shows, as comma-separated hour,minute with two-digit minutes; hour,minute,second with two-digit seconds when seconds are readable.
1,19
